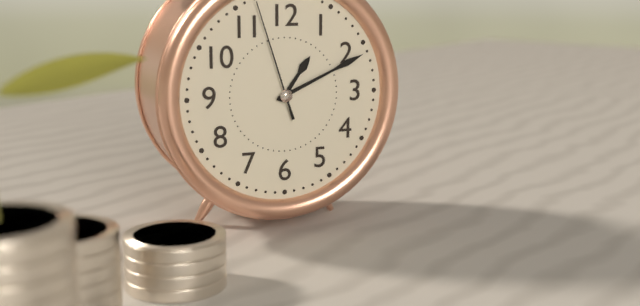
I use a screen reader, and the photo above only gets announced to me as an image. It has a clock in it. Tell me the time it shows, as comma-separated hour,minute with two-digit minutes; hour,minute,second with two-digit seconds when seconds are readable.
1,11,57
